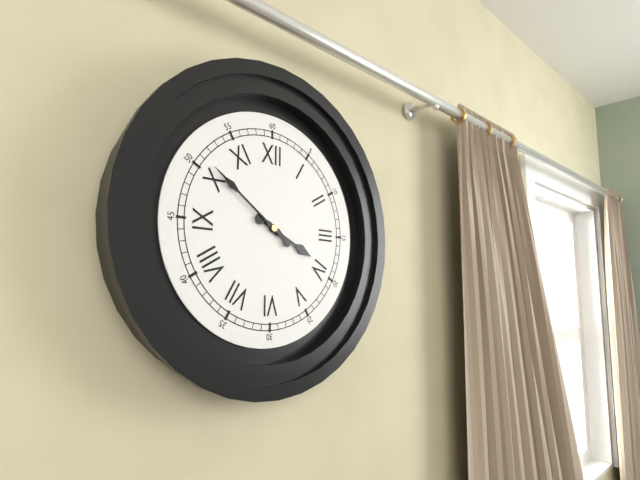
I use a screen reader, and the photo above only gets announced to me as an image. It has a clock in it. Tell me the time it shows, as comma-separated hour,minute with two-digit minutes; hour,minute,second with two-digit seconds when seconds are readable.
3,51
